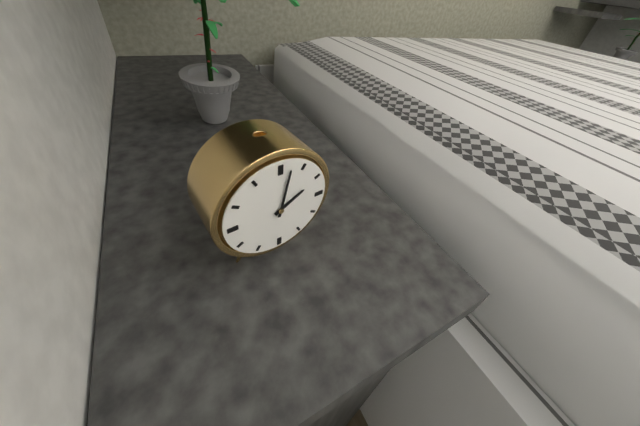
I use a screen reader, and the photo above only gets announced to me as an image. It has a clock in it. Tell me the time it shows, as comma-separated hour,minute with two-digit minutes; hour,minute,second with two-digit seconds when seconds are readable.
2,02
